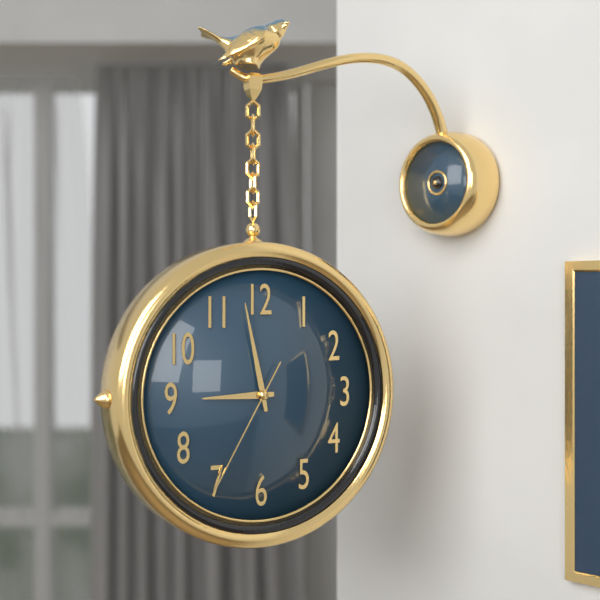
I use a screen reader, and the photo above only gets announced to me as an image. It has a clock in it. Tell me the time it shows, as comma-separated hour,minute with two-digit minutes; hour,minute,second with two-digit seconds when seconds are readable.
8,58,35
